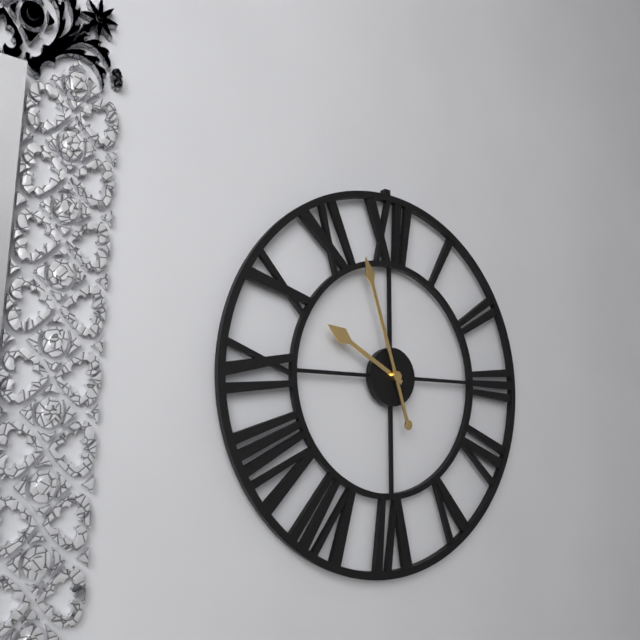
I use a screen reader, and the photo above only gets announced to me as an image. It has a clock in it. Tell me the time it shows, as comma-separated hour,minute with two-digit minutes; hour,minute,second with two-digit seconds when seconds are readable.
9,57
